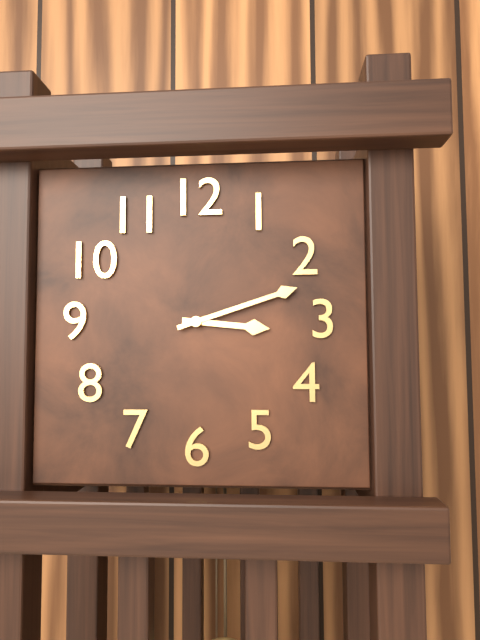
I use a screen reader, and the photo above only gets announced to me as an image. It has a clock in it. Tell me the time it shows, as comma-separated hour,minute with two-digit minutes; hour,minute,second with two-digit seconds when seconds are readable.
3,12
